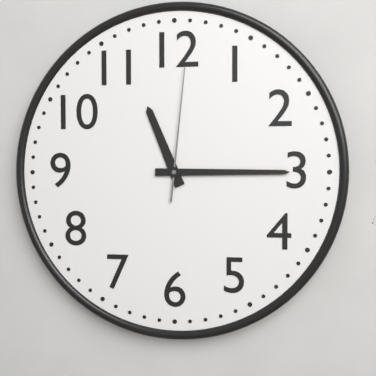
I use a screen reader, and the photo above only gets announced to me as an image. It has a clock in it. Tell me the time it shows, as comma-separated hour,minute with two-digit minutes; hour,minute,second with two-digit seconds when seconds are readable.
11,15,01
